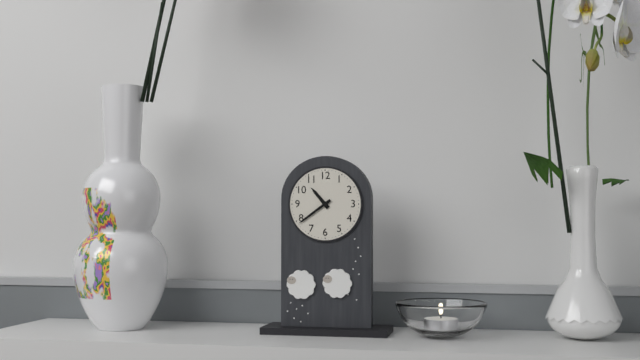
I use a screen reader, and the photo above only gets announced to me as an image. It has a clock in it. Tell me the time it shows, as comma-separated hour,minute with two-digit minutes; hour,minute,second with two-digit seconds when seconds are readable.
10,39
